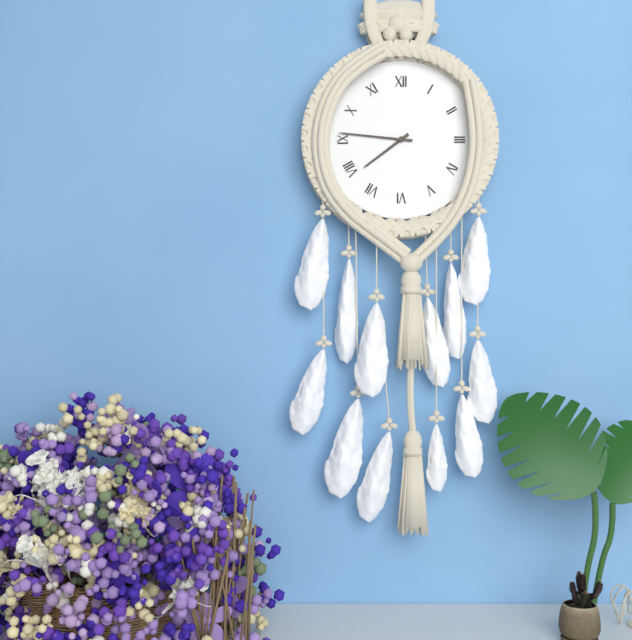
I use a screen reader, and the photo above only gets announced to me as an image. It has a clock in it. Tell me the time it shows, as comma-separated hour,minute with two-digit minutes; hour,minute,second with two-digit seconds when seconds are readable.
7,46
